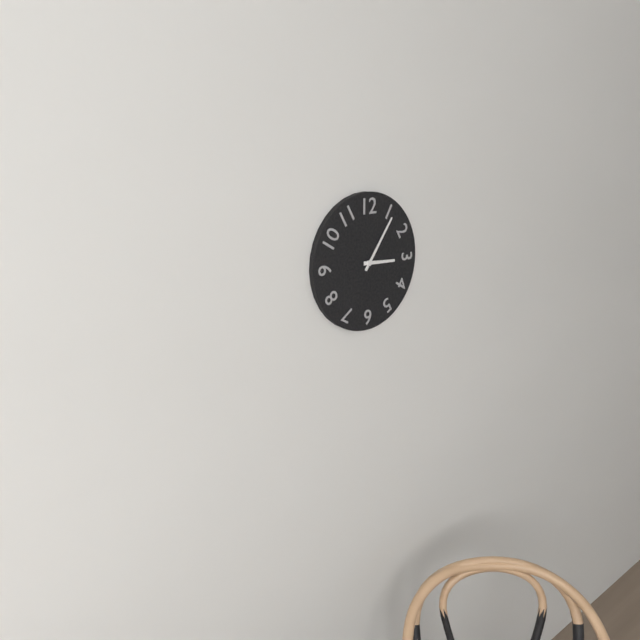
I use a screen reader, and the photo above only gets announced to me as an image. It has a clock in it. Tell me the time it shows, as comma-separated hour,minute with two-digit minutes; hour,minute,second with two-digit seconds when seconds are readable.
3,06
